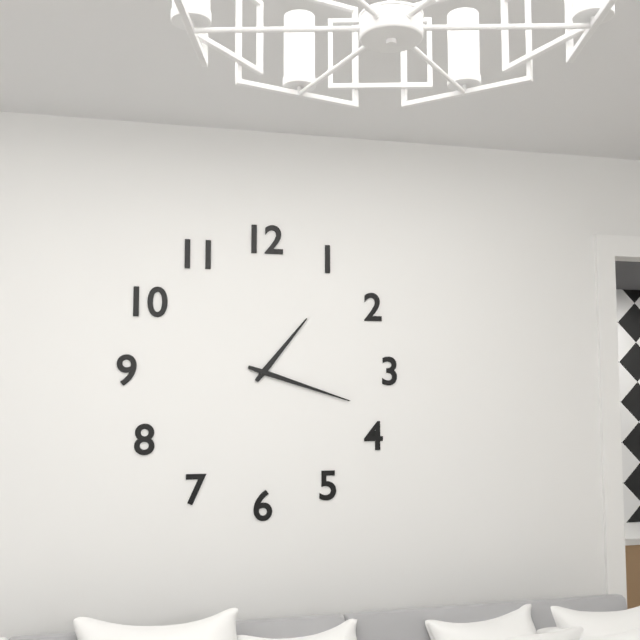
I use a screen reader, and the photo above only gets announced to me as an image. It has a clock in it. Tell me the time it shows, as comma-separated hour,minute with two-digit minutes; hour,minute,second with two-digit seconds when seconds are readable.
1,18
